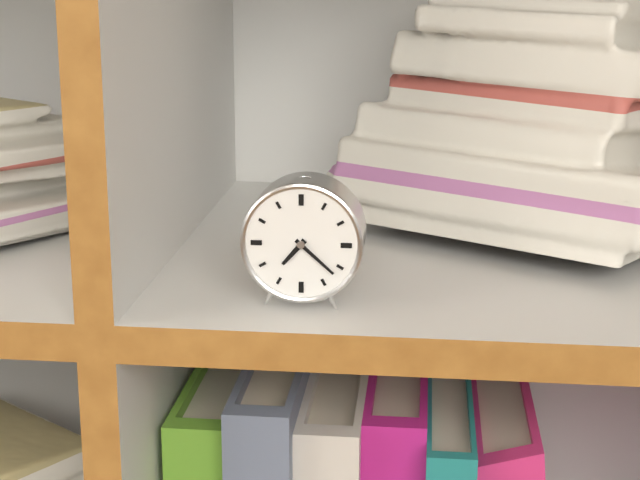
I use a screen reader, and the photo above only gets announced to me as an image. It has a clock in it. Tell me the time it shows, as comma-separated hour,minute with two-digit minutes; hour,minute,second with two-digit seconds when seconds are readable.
7,22
